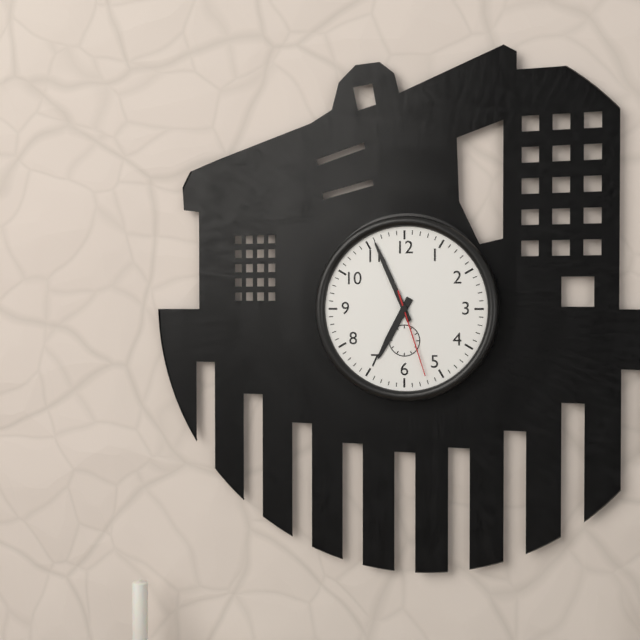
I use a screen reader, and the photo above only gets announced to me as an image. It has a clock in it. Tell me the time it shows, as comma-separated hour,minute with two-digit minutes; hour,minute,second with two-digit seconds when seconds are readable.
6,56,27
